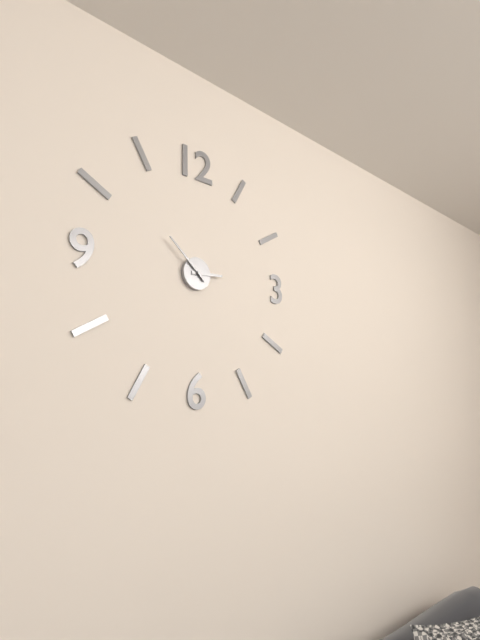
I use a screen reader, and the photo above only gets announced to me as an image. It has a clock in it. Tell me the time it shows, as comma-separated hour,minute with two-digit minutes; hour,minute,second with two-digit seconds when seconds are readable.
2,52
